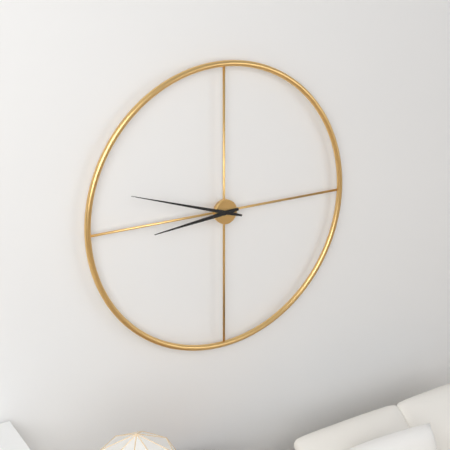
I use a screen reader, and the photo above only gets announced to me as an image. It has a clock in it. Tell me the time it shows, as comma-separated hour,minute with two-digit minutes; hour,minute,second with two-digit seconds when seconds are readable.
8,48
